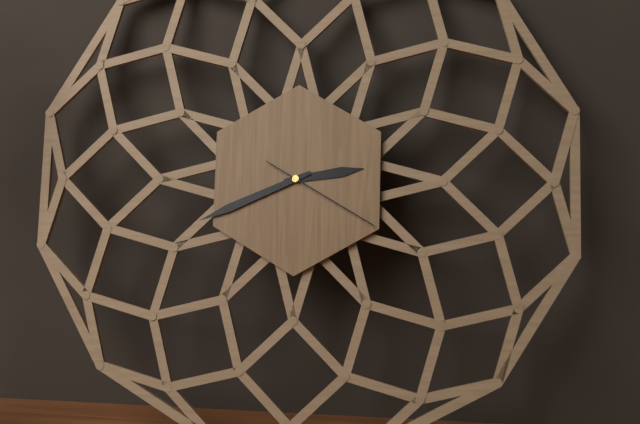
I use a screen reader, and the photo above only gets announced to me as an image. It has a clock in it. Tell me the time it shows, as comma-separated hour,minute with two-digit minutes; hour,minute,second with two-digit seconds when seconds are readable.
2,41,20
